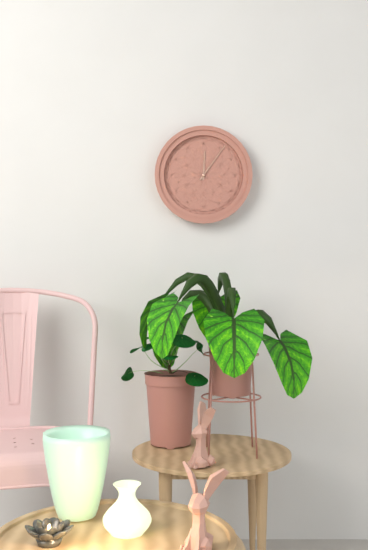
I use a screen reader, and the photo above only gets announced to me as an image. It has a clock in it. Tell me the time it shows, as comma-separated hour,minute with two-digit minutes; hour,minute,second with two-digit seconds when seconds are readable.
12,06
